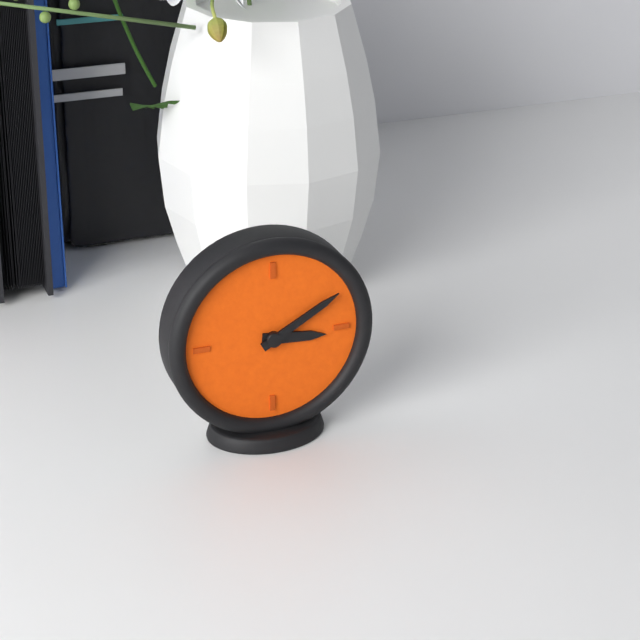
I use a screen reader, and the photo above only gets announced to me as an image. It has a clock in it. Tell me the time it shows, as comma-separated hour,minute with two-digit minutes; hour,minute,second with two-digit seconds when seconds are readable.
3,10
